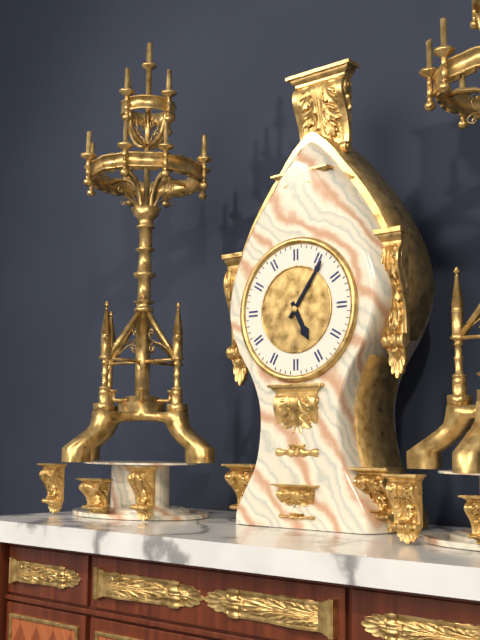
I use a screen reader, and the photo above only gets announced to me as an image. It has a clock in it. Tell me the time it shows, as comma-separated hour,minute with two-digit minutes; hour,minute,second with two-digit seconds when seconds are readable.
5,06
